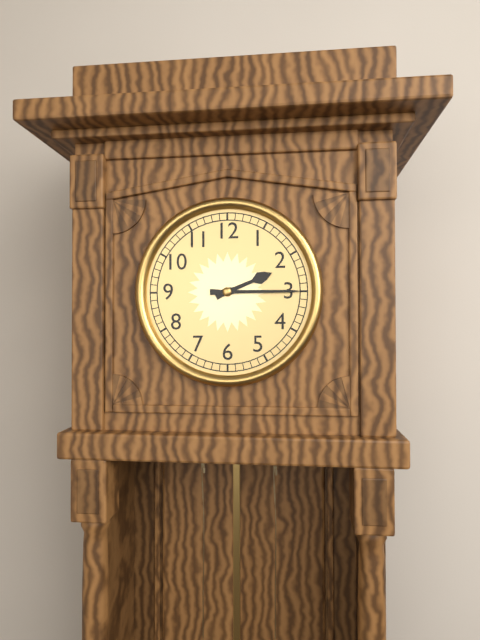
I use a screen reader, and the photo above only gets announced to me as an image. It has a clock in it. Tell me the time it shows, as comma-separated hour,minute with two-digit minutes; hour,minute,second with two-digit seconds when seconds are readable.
2,15
